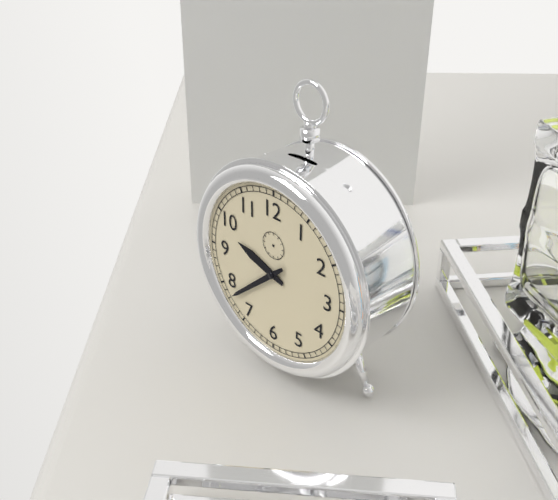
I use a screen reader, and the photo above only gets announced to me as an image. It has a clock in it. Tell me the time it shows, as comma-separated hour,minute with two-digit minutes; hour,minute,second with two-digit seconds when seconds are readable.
9,38
